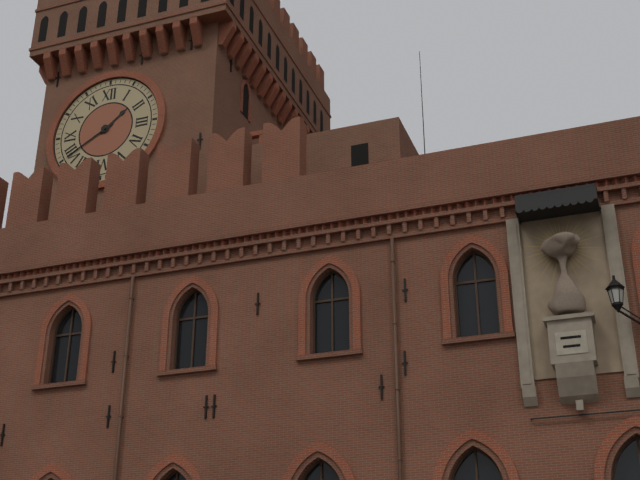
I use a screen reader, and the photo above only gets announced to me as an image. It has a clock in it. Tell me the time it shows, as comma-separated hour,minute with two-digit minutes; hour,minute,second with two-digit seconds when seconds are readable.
1,40
